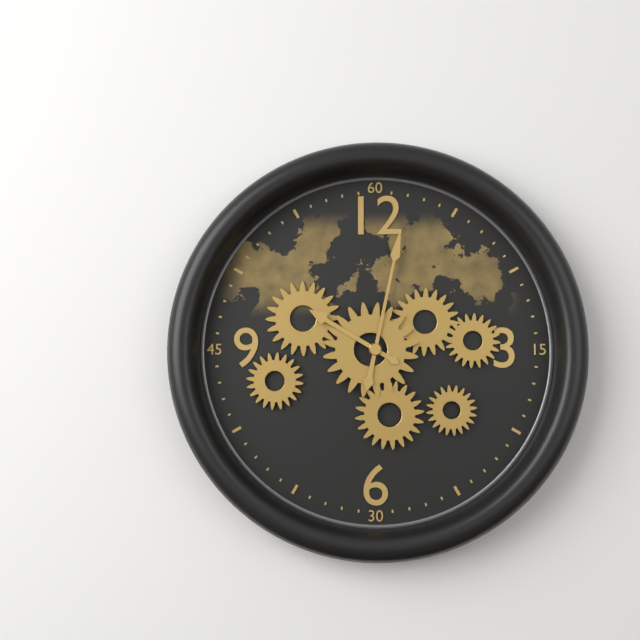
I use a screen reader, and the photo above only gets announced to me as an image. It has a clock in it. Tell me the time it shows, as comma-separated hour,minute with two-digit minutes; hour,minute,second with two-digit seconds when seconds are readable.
10,02
